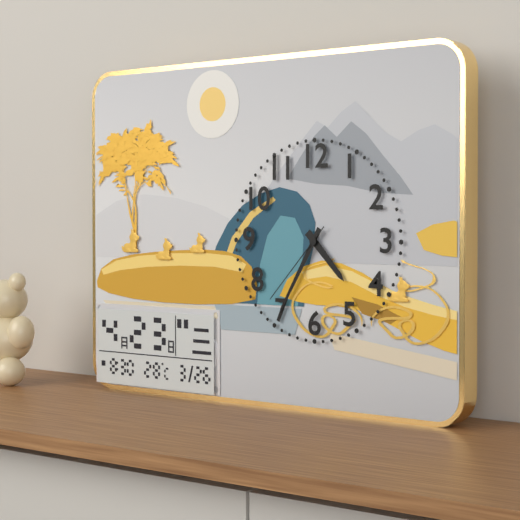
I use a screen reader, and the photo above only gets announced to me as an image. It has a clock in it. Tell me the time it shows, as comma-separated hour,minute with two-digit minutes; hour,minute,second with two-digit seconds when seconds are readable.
4,35,37
